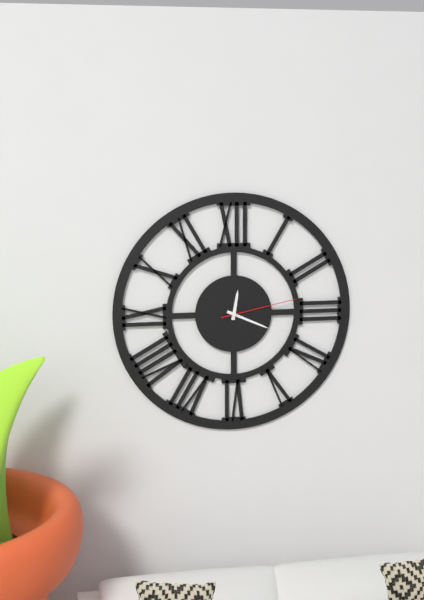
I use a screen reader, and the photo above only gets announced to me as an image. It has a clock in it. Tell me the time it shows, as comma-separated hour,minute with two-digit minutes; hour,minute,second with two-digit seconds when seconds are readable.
12,19,13
